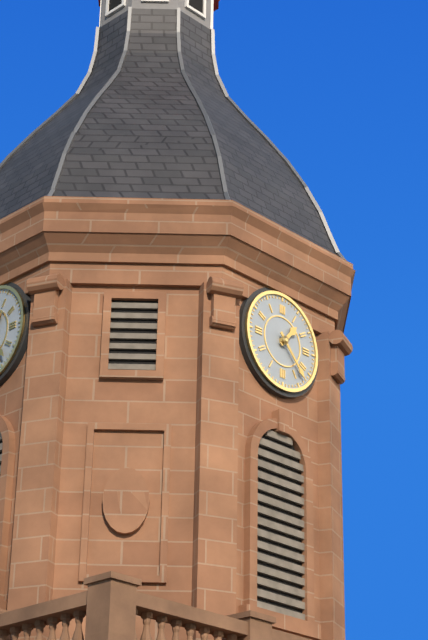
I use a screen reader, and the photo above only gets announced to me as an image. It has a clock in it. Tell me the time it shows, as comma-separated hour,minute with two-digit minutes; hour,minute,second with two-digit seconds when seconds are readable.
1,23
